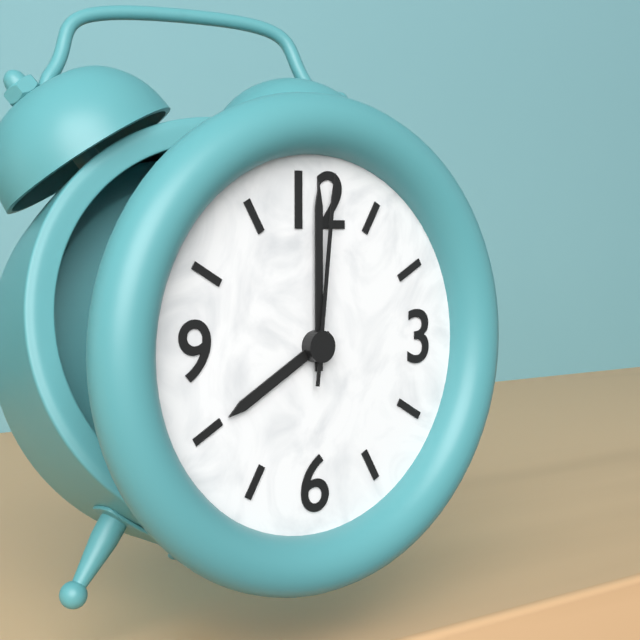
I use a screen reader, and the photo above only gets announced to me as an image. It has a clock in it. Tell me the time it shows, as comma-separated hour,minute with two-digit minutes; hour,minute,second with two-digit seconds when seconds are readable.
8,00,01
